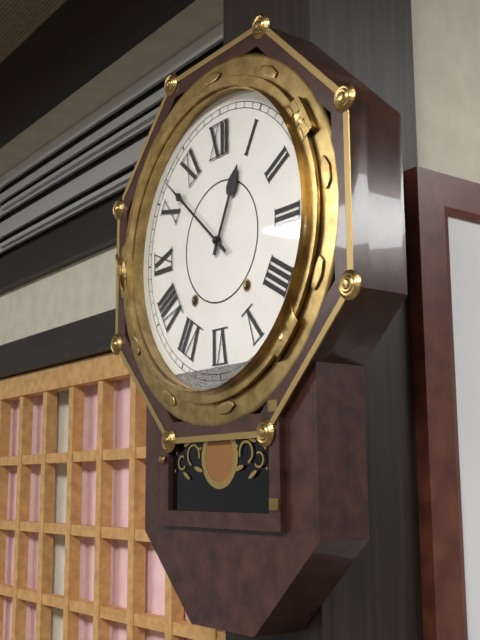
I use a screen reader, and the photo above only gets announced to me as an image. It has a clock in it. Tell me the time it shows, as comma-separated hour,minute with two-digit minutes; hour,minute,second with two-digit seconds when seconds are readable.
12,52
